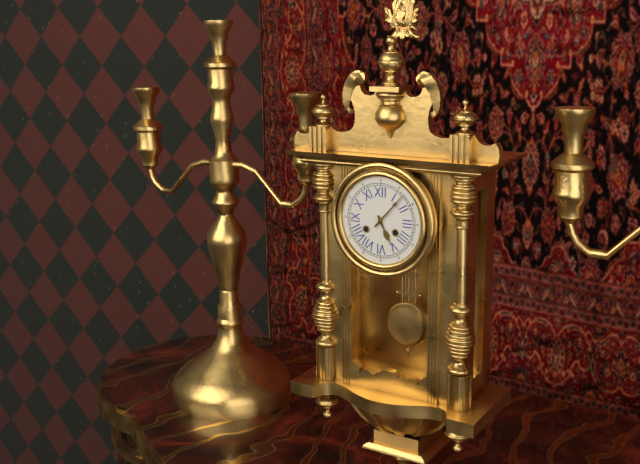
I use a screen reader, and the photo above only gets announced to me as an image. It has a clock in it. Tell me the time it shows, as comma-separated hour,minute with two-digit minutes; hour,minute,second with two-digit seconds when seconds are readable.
5,07
